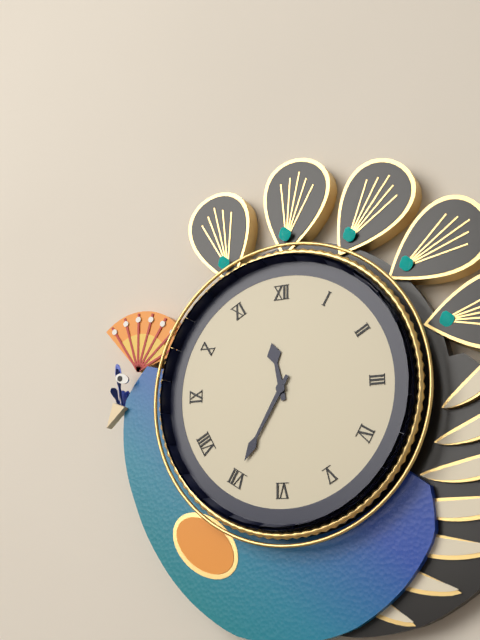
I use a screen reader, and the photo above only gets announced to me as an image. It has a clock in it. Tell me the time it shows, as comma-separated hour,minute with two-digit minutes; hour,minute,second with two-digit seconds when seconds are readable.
11,35
